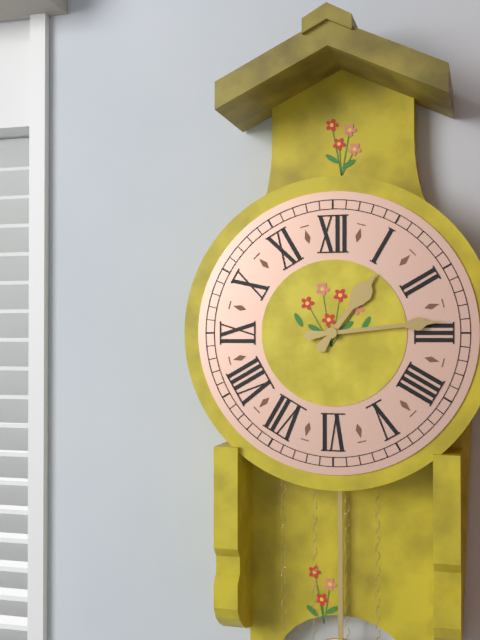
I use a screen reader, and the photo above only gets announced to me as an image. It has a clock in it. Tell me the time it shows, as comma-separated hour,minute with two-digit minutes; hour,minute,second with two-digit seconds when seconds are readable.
1,14
